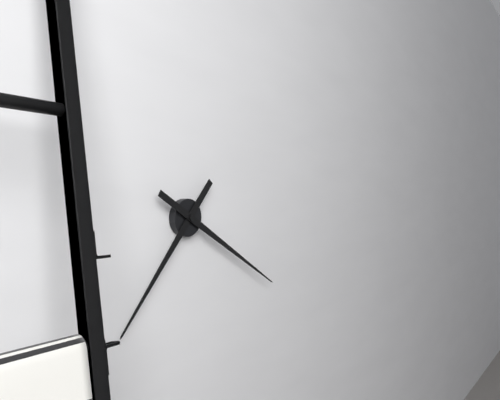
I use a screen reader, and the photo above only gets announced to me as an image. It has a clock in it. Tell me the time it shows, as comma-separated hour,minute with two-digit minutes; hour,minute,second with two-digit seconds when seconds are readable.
7,20
